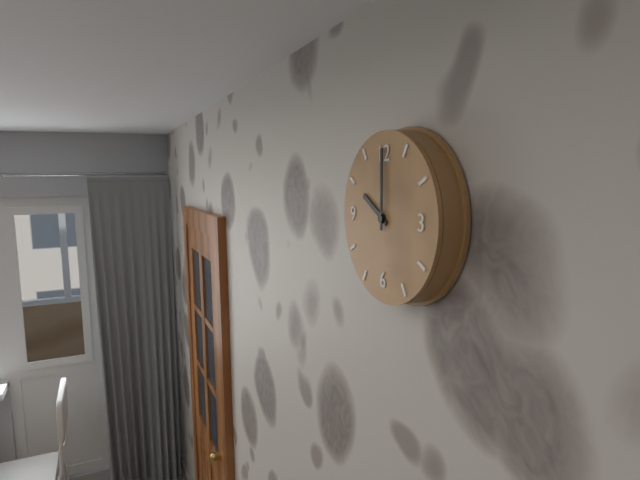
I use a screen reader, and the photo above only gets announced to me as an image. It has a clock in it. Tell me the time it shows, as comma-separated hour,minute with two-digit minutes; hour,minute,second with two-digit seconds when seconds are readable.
10,00
